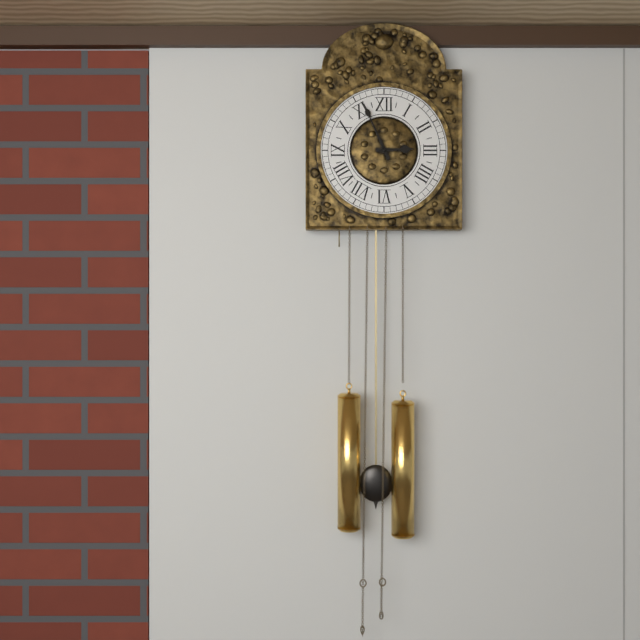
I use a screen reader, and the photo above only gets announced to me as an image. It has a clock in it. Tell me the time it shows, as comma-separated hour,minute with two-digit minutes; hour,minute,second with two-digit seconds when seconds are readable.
2,56
